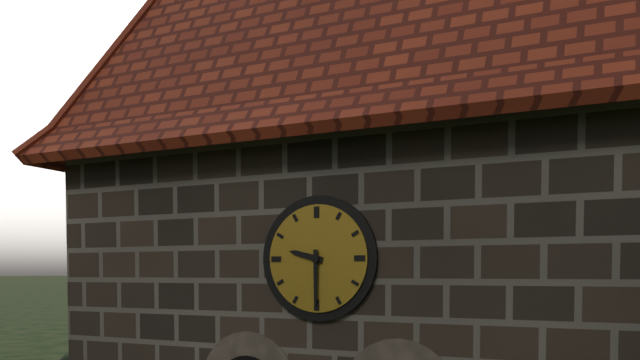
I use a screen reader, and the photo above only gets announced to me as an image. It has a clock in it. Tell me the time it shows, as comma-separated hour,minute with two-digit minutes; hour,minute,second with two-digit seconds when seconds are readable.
9,30
